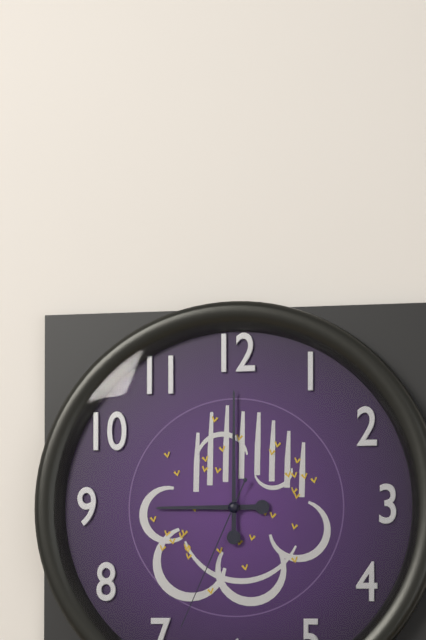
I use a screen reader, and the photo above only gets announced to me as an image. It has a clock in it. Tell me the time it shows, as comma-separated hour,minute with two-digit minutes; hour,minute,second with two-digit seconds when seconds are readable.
9,00,34
